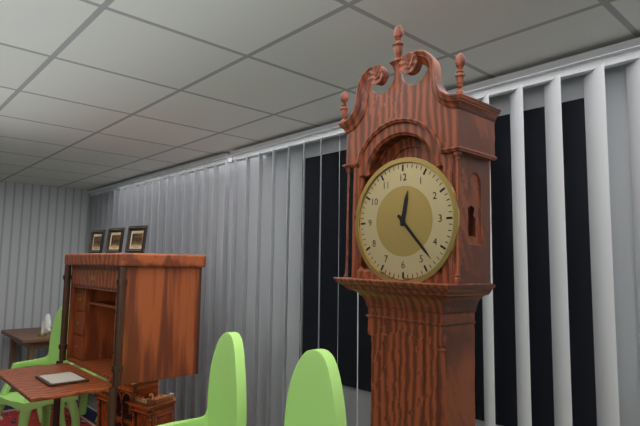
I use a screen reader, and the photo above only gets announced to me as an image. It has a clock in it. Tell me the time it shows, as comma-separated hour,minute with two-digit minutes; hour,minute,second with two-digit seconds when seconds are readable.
12,23
